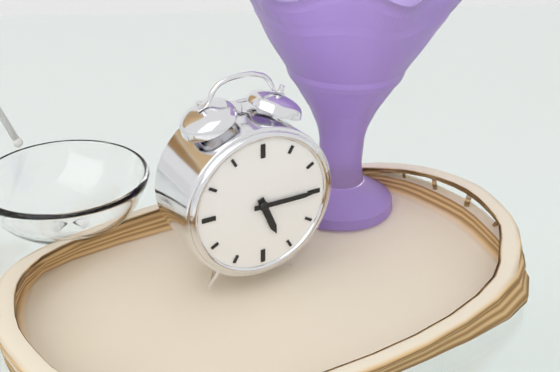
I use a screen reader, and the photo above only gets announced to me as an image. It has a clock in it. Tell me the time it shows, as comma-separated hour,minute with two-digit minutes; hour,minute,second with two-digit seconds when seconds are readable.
5,15
